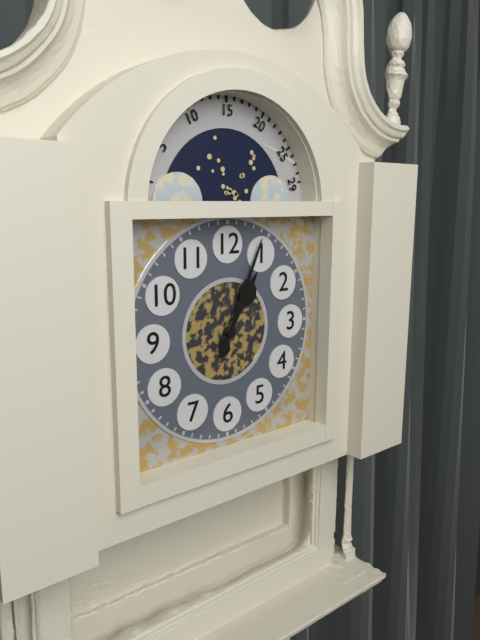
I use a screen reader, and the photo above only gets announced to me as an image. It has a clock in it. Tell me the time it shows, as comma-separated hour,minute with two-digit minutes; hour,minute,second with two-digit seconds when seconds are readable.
1,04
